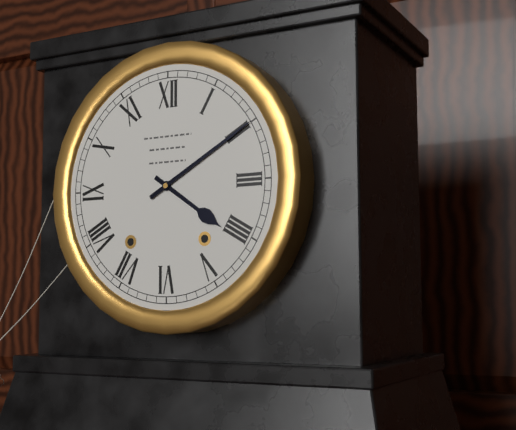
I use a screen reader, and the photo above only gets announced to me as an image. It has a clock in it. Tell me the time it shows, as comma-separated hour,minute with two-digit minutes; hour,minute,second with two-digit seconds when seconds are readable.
4,10
